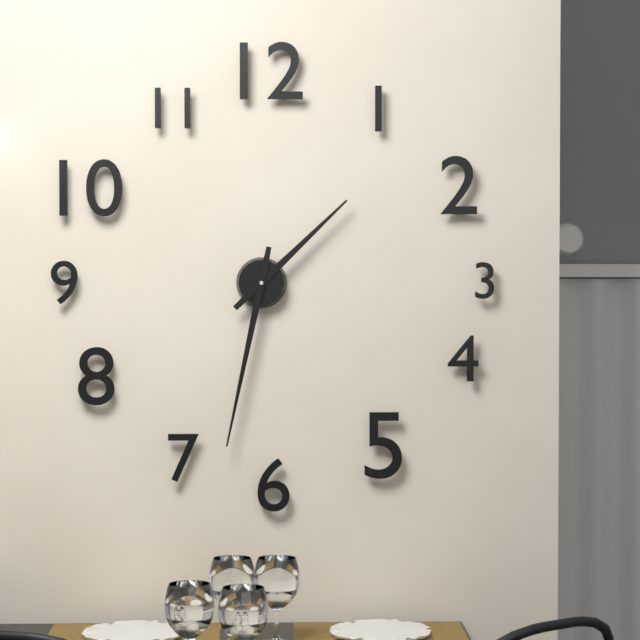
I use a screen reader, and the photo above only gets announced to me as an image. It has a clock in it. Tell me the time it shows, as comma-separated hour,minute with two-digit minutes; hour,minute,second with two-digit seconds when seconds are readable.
1,32
